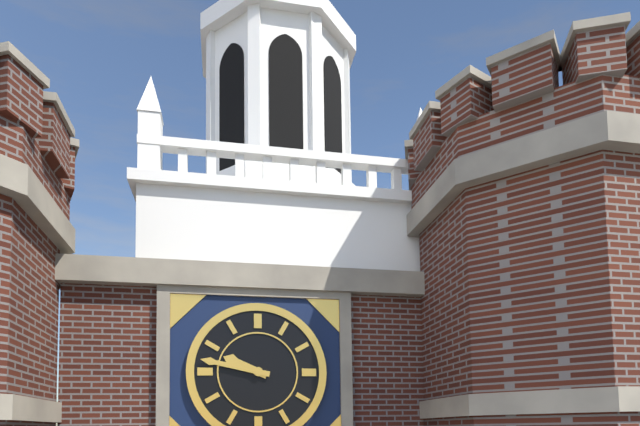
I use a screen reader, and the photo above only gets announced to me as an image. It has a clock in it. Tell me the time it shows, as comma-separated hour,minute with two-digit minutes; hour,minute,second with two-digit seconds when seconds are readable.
9,47
